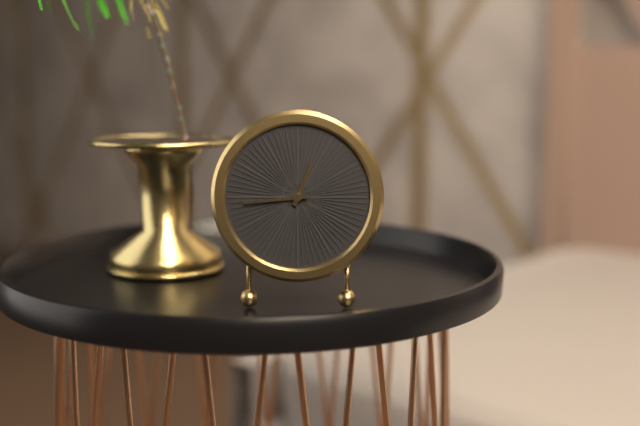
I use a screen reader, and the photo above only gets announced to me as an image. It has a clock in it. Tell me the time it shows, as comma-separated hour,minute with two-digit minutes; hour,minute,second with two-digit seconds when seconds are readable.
12,44
